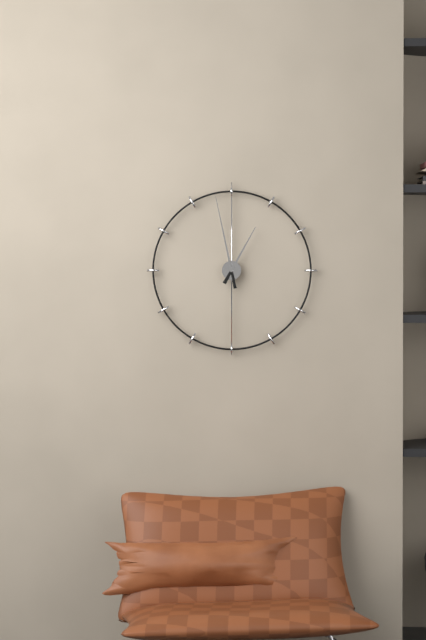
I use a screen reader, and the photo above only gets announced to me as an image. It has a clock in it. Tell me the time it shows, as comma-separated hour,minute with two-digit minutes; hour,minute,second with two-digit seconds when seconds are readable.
12,58
